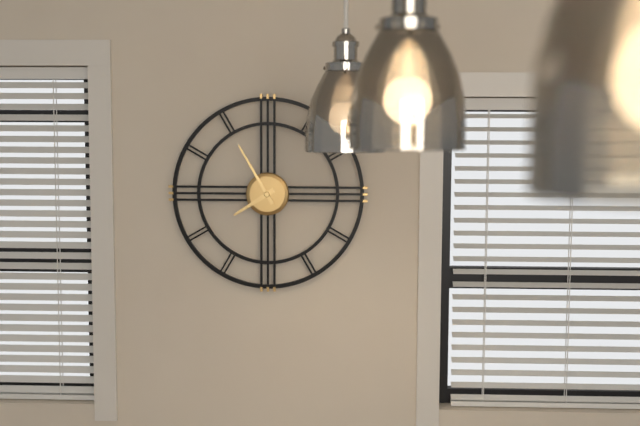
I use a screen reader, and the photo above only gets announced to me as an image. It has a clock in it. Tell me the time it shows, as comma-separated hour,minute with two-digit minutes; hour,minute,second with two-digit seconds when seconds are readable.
7,55
